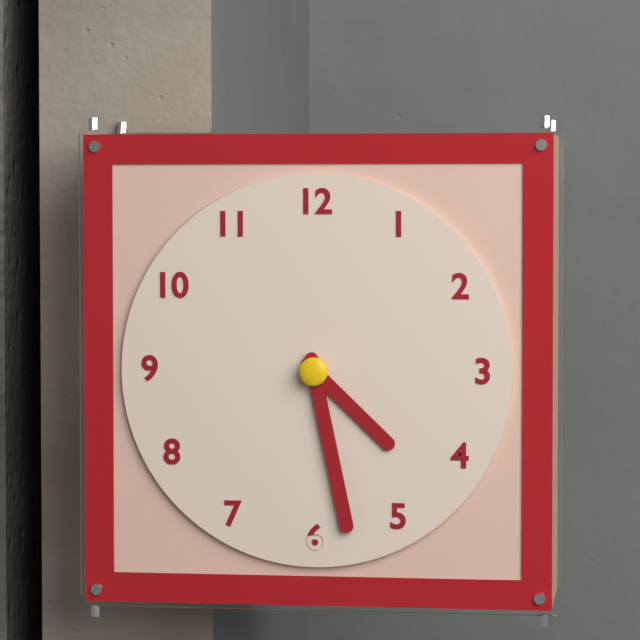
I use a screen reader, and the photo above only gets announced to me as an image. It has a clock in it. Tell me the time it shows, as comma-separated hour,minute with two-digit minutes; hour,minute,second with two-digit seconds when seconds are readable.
4,28
